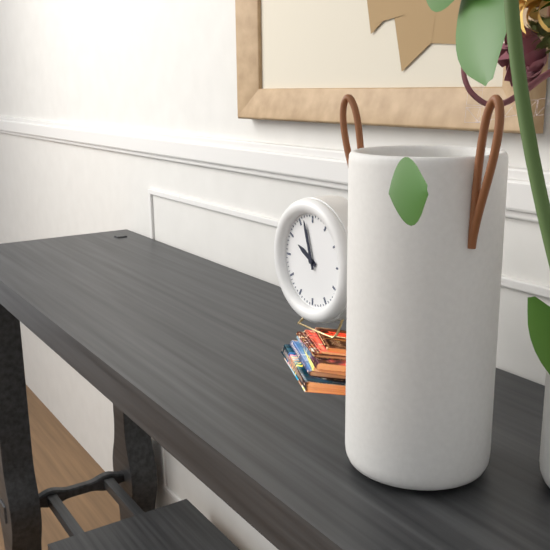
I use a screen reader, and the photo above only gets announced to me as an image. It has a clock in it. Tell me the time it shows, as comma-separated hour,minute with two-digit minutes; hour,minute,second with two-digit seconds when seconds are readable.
9,57
